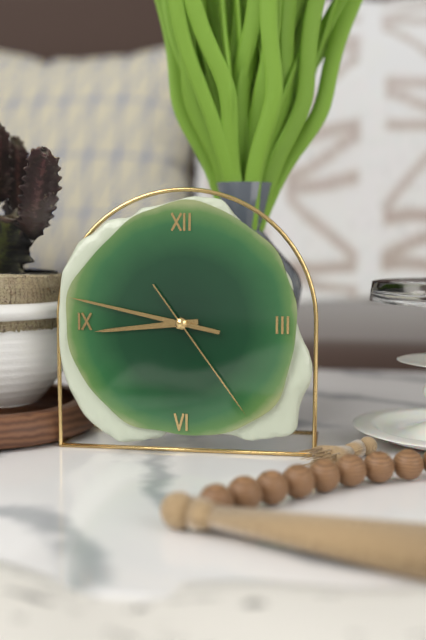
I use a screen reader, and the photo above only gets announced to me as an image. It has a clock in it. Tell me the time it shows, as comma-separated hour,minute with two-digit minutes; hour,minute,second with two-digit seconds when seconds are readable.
8,47,24
